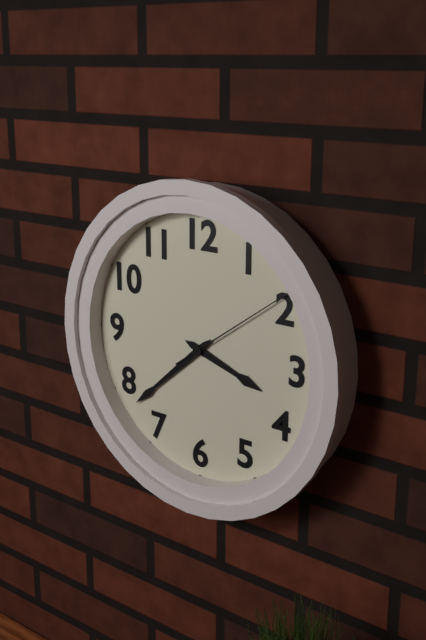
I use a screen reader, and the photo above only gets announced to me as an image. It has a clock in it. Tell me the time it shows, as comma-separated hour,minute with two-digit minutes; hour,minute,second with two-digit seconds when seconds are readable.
3,38,09
